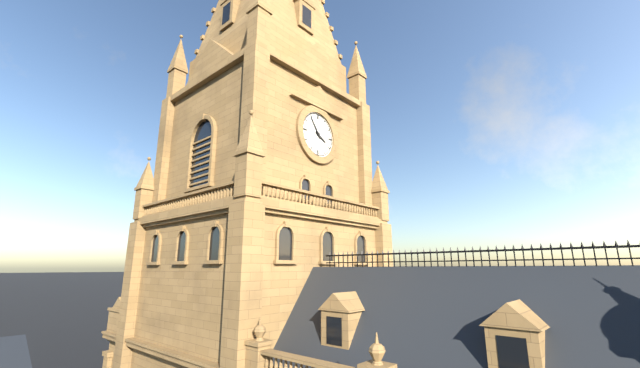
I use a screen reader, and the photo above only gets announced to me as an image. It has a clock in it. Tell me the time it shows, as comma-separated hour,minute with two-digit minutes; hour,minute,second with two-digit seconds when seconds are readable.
3,54
